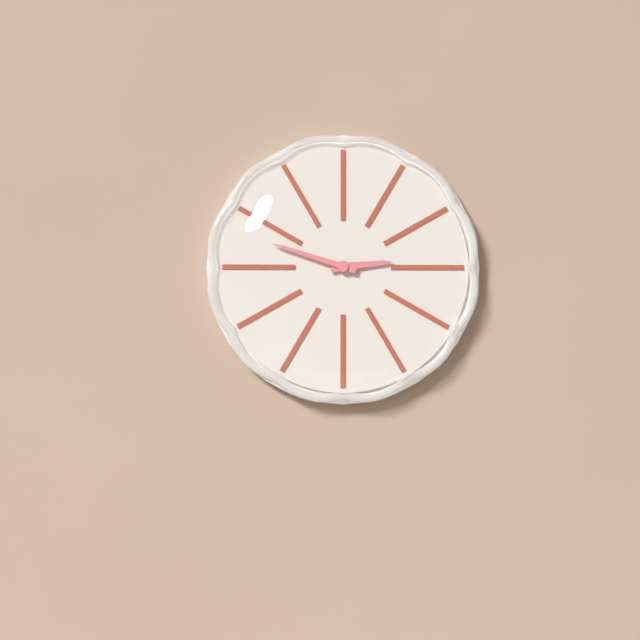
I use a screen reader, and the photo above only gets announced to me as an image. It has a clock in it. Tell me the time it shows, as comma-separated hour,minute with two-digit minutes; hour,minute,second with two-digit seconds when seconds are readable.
2,48
